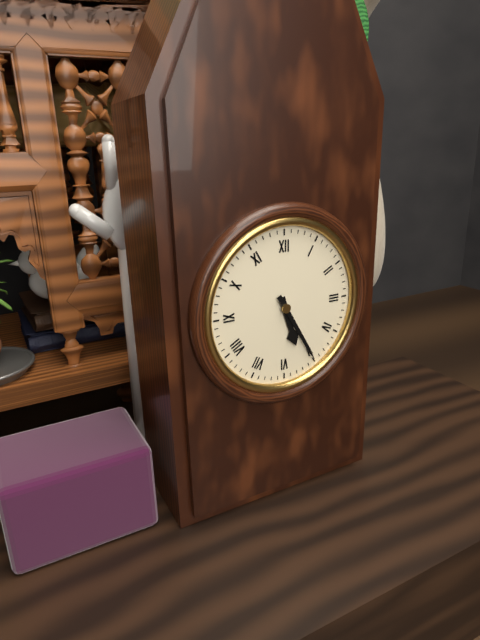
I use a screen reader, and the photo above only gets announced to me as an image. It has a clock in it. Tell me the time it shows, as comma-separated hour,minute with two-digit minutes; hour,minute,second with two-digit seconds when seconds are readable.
5,25
